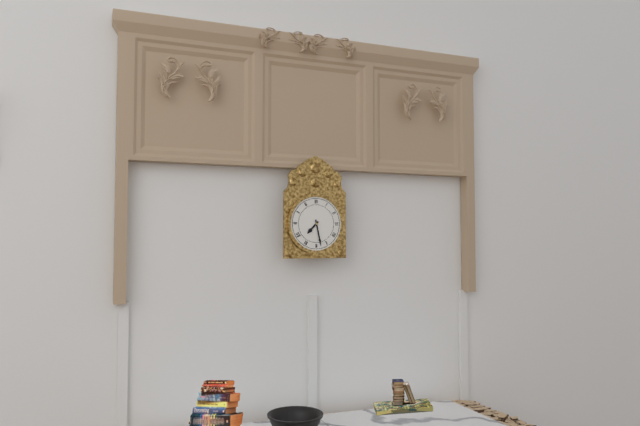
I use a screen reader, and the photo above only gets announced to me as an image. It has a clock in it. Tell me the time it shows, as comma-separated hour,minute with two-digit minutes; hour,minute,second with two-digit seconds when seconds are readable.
7,28
